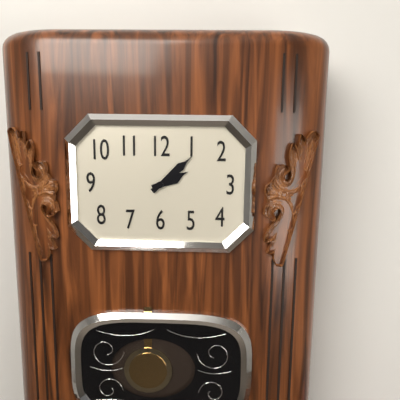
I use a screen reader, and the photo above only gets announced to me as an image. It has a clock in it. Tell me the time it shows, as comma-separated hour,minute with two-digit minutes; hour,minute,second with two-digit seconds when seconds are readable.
2,08
